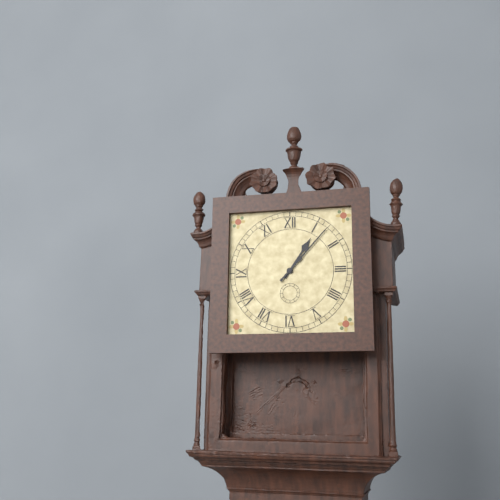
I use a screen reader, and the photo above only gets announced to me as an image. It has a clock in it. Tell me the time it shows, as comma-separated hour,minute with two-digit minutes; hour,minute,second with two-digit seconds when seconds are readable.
1,07
